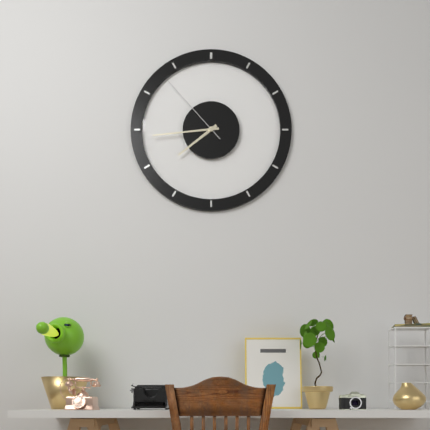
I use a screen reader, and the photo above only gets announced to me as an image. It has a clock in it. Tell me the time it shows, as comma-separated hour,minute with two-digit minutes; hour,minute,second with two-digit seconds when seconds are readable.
7,44,53
